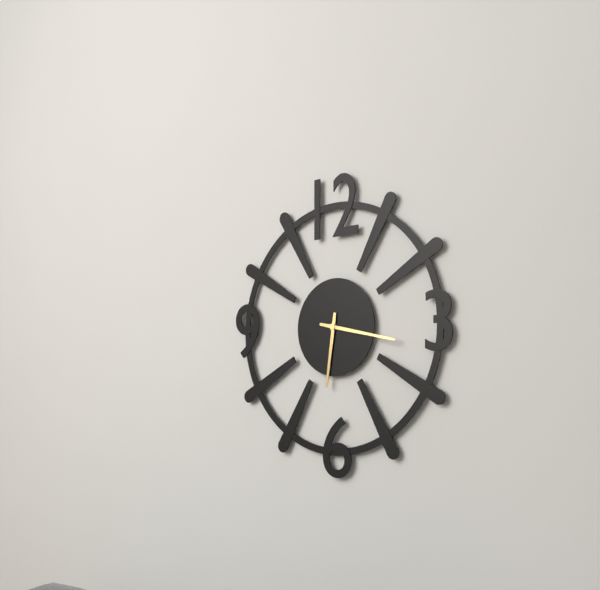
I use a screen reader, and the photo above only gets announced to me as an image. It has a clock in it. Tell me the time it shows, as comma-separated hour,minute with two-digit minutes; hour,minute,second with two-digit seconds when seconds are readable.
6,17
